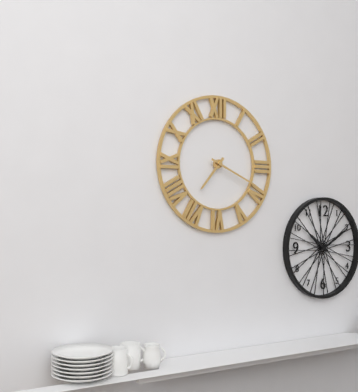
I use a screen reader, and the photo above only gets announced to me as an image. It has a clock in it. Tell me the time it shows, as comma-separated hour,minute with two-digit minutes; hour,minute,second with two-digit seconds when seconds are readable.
7,19
